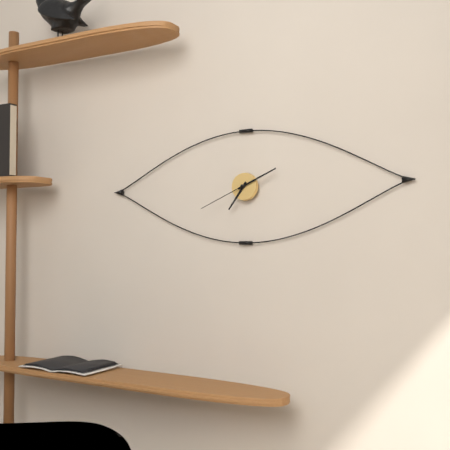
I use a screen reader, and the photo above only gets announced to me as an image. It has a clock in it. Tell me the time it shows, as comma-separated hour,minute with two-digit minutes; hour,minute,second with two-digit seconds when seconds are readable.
7,11,41
